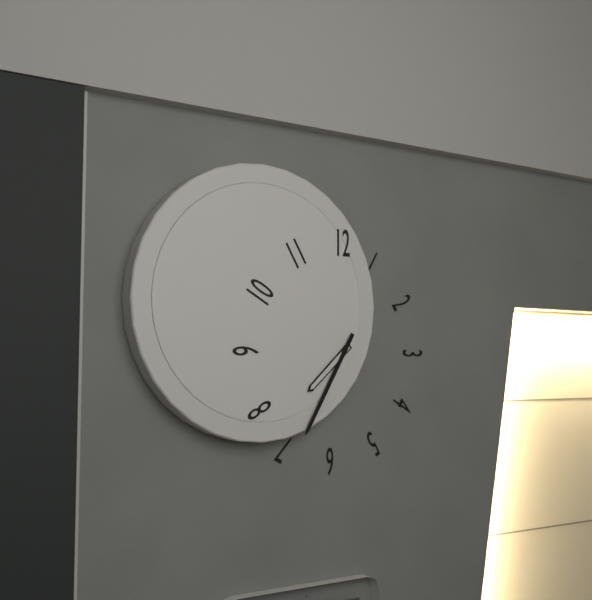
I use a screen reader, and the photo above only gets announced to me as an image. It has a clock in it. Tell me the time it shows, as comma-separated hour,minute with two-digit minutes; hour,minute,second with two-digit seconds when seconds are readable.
7,35
